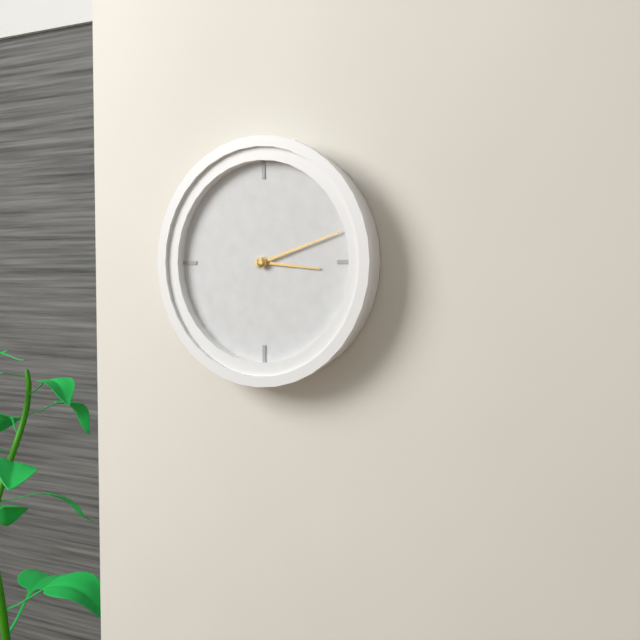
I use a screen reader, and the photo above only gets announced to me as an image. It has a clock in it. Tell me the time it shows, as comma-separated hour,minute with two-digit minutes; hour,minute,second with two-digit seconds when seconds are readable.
3,12
